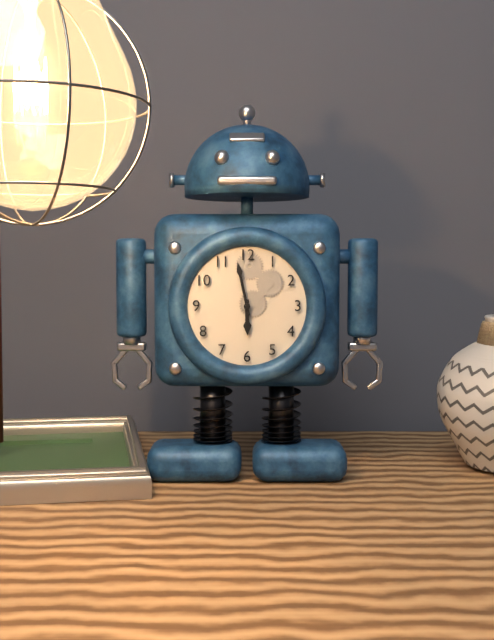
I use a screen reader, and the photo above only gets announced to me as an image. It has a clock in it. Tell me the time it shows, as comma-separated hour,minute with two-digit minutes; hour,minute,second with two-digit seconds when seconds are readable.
5,58
